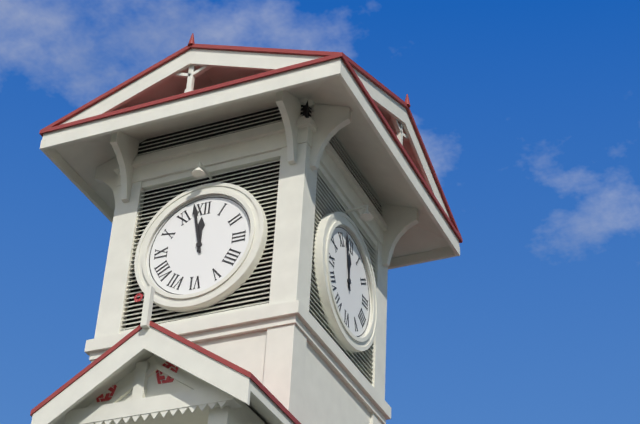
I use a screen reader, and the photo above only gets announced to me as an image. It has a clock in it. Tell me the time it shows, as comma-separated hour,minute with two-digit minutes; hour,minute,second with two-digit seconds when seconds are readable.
11,58
